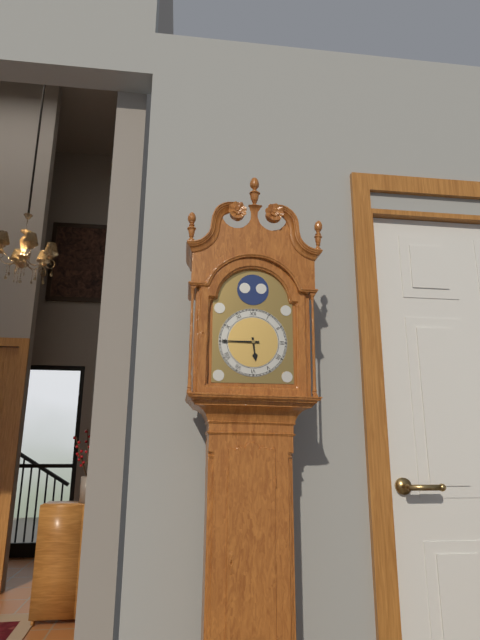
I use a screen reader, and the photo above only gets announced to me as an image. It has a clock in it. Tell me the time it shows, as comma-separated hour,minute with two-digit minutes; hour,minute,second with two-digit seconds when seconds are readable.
5,45
